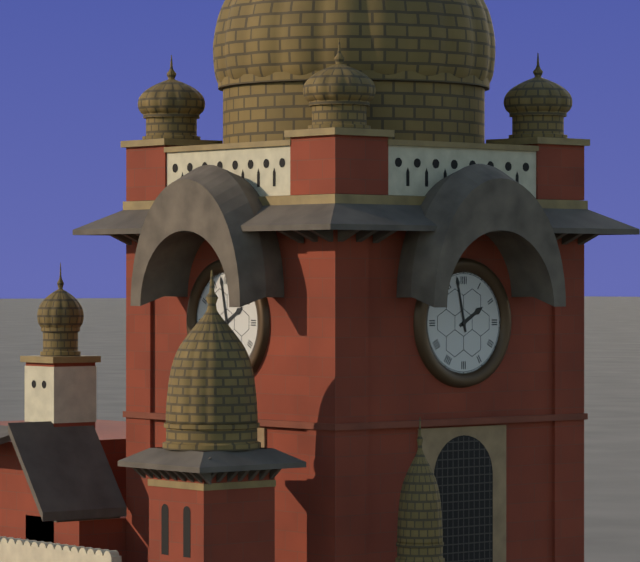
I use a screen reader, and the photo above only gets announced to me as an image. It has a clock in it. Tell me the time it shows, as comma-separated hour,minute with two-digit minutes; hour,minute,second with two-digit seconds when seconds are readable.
1,58
